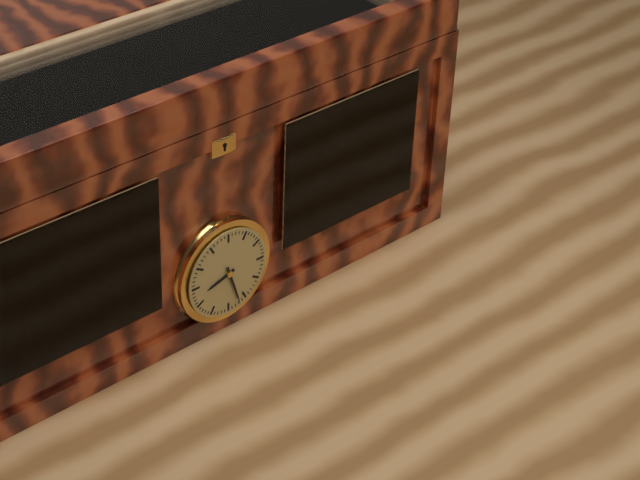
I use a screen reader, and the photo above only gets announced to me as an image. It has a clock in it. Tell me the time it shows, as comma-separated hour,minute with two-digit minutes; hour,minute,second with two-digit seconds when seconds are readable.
8,27
